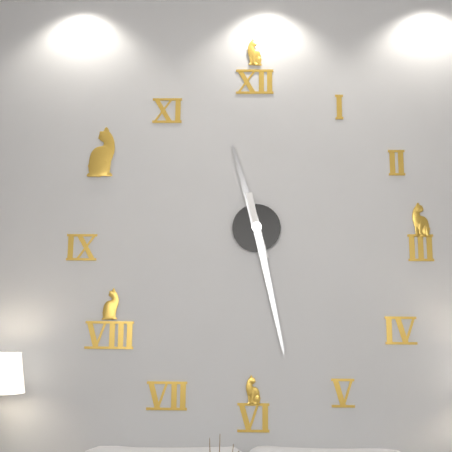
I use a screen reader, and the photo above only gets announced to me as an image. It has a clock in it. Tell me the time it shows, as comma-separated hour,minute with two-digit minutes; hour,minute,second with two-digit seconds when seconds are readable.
11,28
